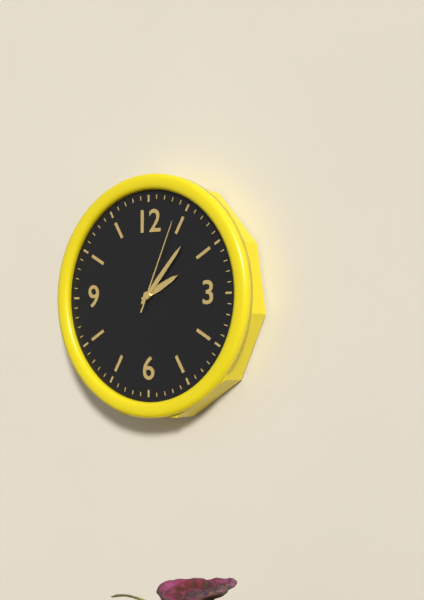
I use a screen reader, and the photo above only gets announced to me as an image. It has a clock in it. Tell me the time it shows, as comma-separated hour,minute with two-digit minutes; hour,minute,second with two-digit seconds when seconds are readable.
2,07,04
